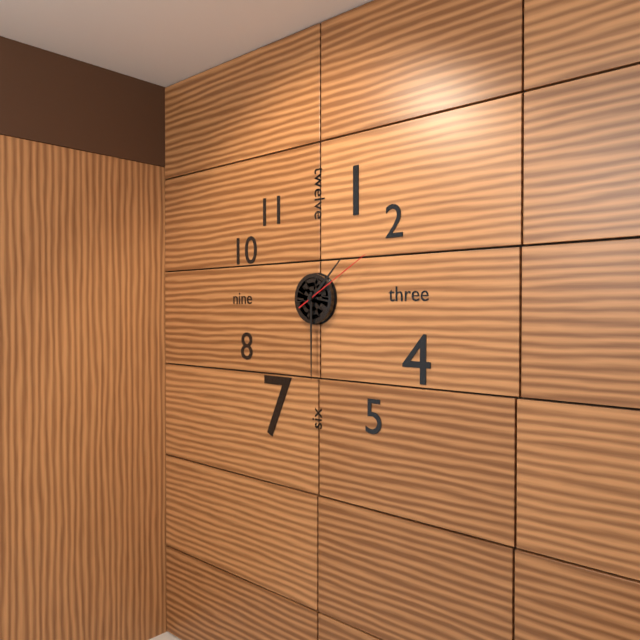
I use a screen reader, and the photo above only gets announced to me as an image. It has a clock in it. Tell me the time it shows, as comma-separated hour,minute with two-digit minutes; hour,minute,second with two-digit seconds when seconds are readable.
1,30,10
